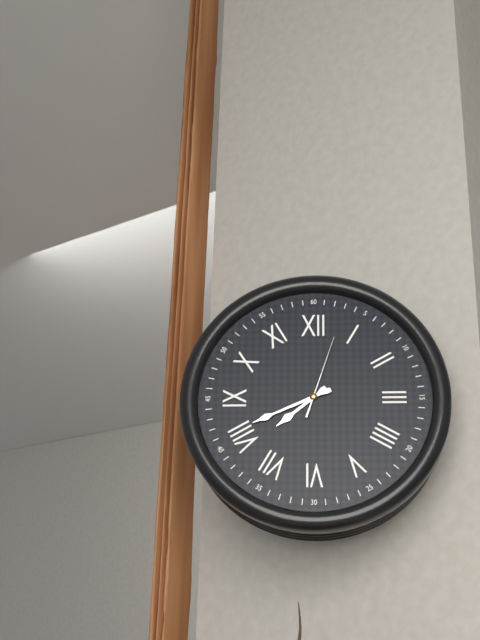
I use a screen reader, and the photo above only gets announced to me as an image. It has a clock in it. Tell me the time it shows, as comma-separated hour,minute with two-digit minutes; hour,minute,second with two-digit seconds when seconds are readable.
7,41,03
